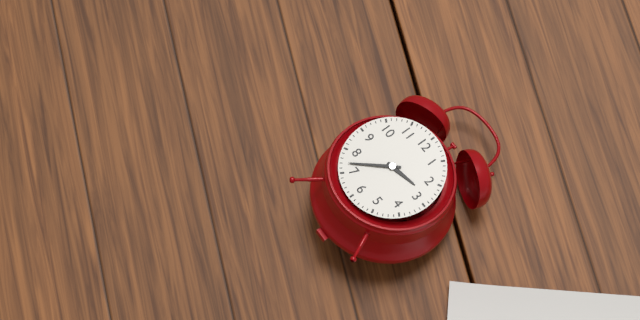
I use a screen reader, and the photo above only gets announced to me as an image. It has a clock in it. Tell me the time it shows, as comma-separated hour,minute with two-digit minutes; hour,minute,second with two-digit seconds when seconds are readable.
2,37
